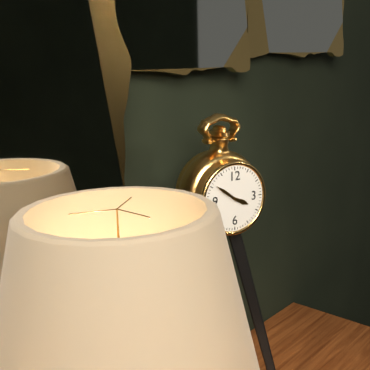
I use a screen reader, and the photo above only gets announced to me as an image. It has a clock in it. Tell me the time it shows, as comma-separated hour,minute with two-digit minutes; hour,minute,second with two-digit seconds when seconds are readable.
3,51
